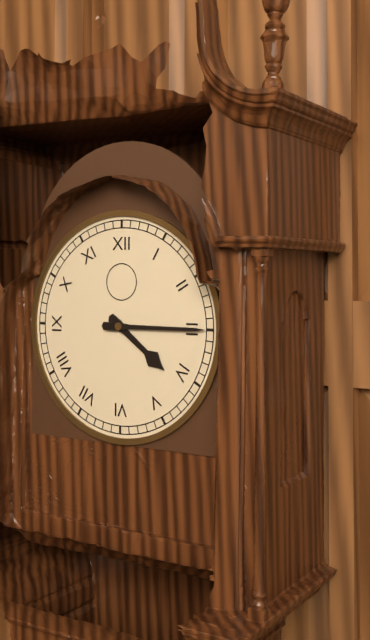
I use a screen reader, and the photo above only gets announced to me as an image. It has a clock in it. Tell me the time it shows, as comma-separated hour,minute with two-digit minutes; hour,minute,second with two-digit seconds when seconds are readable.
4,15
